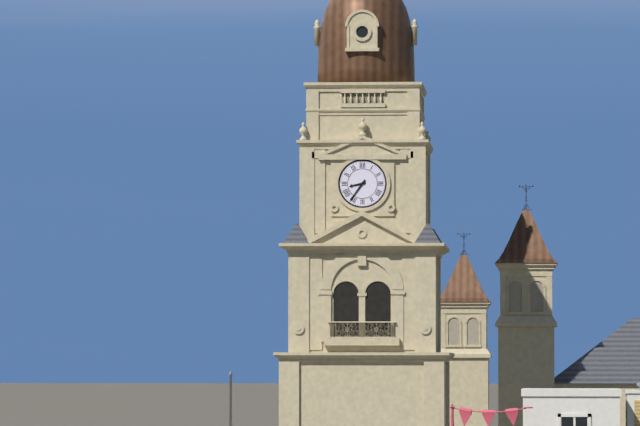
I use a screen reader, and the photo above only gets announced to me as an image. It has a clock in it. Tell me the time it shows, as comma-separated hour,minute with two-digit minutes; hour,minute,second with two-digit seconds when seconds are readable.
8,36
